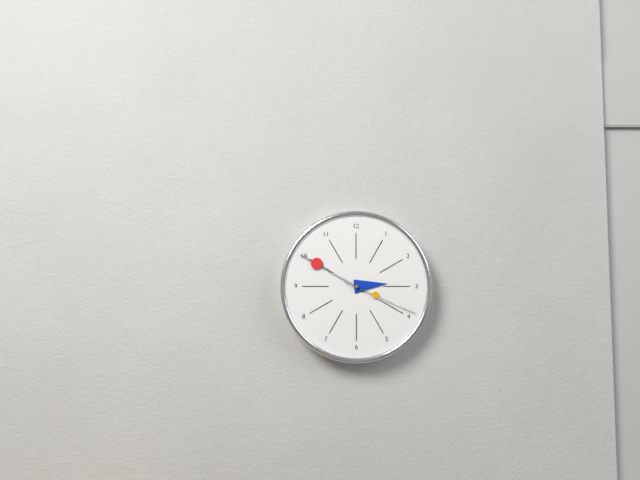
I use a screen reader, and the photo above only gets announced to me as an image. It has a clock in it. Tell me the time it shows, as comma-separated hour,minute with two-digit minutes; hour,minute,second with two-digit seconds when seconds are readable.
2,50,19
